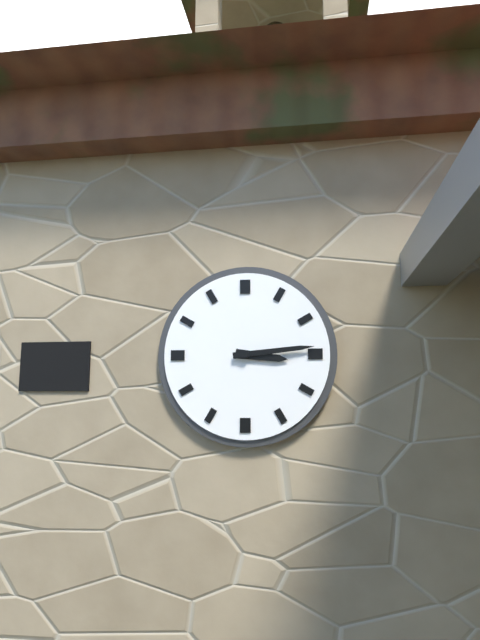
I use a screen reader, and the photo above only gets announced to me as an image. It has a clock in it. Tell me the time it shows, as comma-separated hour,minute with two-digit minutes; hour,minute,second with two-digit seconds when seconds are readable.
3,14
